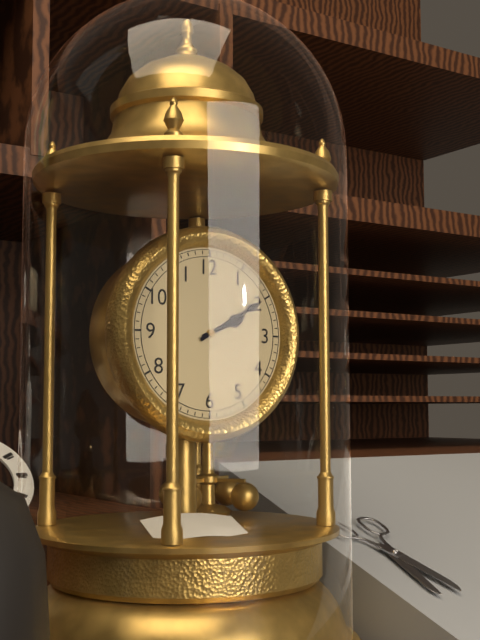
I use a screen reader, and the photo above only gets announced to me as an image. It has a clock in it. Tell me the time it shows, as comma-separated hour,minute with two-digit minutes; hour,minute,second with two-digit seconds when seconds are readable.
2,10
